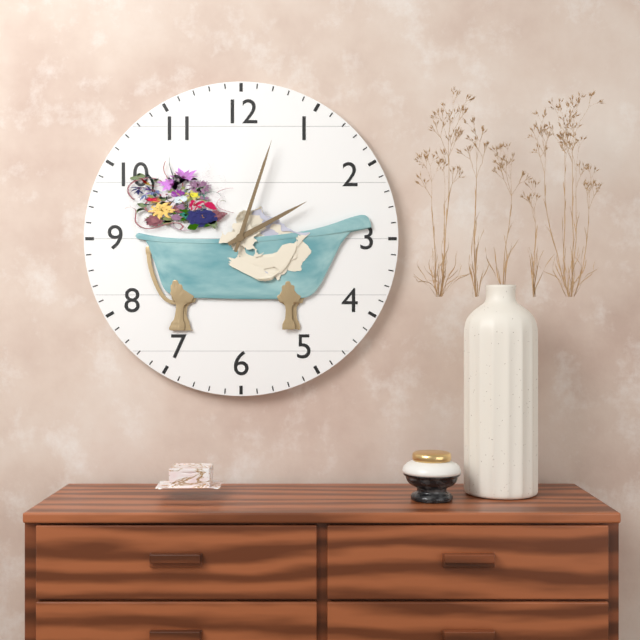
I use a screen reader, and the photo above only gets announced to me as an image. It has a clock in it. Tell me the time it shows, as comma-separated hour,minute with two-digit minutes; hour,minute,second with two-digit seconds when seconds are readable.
2,03
